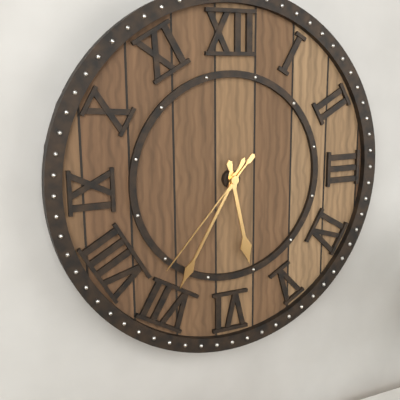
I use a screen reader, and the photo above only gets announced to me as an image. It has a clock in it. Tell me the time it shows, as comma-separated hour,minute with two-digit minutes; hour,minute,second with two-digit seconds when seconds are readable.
5,35,37
